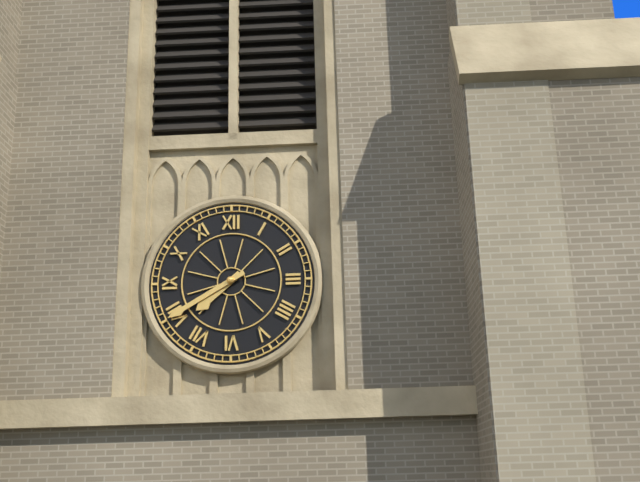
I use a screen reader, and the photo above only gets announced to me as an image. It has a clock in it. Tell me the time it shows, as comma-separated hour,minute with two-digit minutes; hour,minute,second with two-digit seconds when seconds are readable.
7,40
